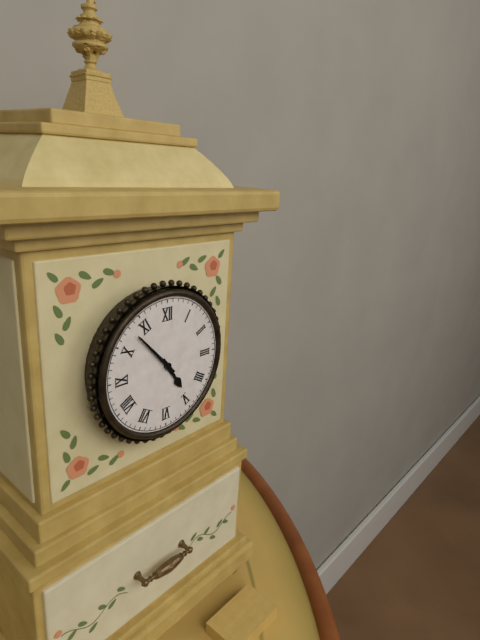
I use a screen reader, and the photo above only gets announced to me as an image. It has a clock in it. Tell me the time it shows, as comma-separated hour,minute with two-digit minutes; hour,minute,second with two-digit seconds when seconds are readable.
4,53
